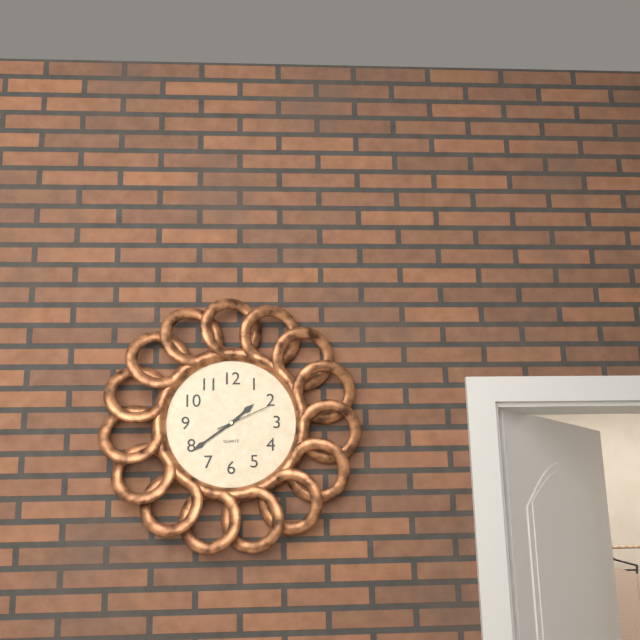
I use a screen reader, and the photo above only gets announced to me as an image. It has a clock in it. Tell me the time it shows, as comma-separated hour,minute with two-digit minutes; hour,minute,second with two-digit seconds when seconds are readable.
1,39,11
